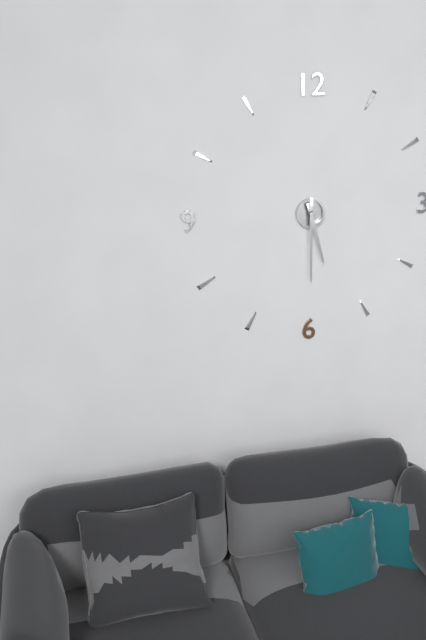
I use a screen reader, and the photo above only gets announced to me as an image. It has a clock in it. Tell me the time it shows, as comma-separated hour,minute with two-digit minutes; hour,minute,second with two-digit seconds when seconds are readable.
5,30
